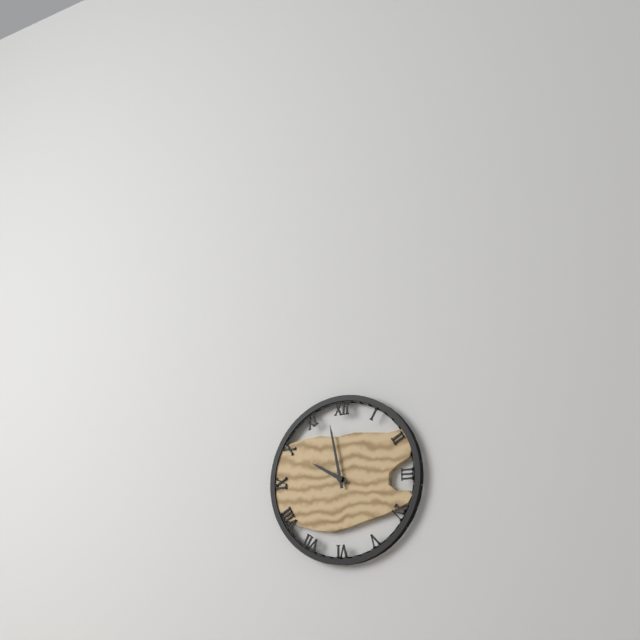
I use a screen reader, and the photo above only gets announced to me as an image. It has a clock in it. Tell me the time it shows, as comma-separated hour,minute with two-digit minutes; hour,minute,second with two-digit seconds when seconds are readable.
9,58
